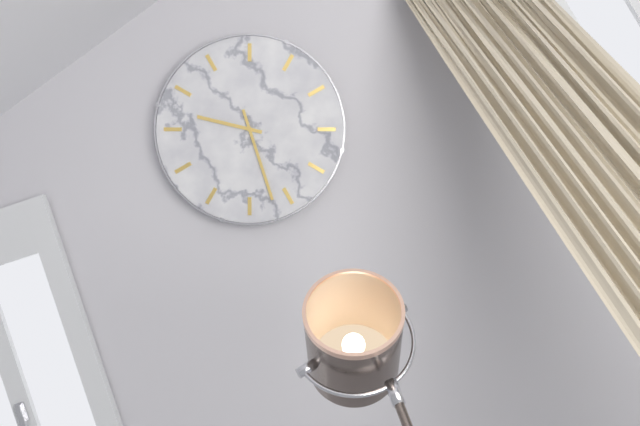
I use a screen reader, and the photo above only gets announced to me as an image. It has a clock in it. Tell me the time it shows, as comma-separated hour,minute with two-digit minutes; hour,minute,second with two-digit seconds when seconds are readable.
9,27
